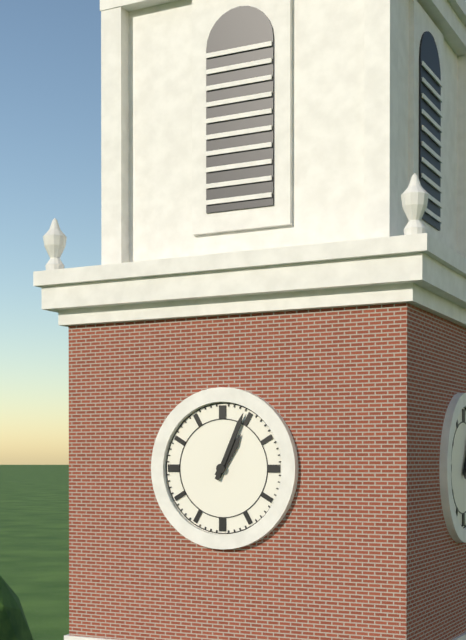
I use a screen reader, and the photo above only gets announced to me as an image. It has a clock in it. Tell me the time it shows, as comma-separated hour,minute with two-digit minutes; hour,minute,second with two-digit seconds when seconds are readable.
1,04
